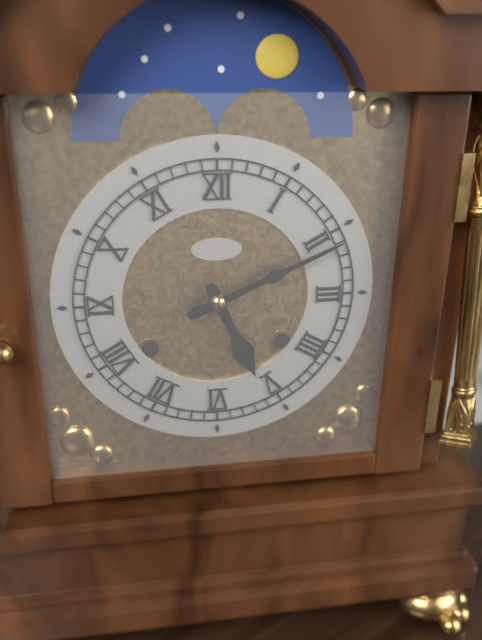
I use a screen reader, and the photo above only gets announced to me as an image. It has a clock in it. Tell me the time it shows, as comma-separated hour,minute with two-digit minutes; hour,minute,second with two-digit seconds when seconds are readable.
5,11
